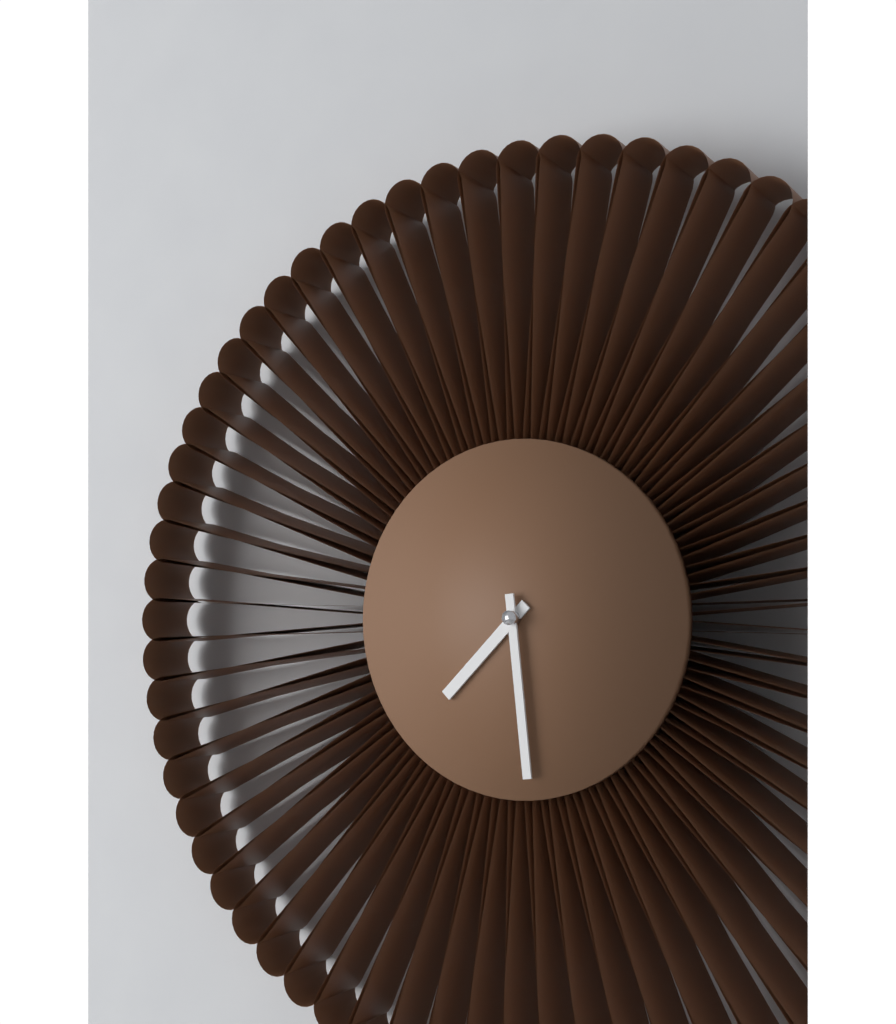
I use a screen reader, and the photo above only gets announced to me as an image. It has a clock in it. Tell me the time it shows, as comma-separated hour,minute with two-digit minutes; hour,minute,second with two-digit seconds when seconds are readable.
7,29
